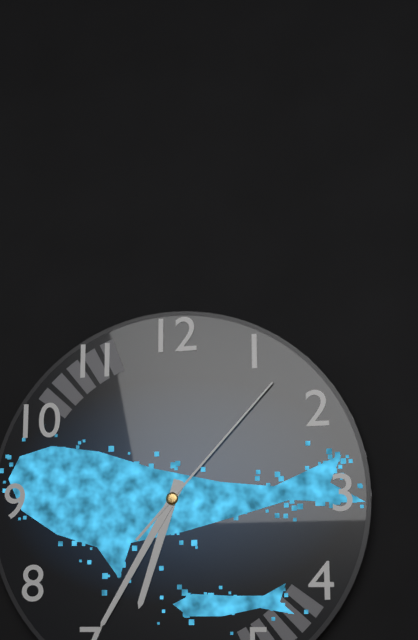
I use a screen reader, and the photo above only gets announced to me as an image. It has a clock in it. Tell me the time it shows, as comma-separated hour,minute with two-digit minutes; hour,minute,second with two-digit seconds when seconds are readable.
6,35,07
